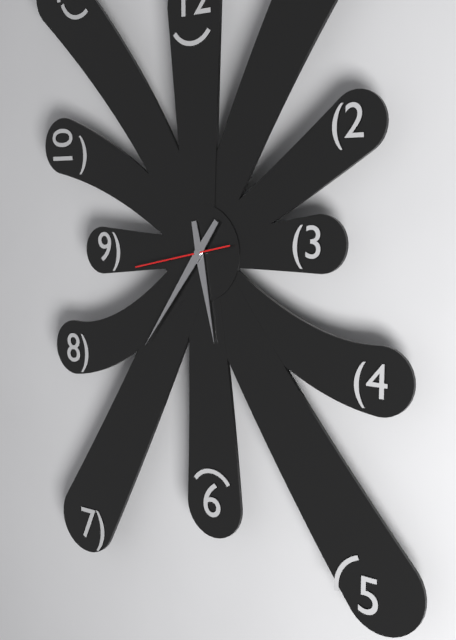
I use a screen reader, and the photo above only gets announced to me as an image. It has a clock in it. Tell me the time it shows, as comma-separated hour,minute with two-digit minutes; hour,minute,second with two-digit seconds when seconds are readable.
5,36,43
